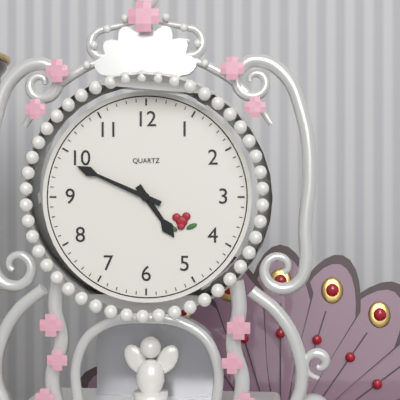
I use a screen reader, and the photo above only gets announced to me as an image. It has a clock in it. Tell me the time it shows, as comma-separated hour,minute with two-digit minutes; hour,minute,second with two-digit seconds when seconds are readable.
4,49
